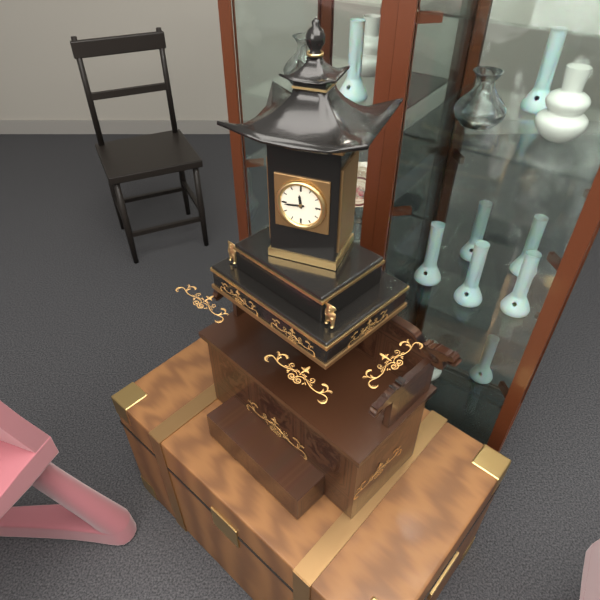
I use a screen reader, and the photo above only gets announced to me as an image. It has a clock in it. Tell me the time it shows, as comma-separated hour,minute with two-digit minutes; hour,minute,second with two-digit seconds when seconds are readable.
11,44
